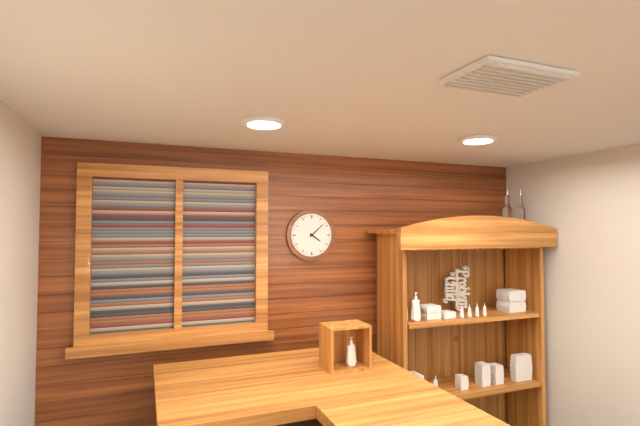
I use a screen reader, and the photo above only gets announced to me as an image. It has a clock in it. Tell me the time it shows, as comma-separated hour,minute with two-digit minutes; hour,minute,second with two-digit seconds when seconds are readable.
4,08
